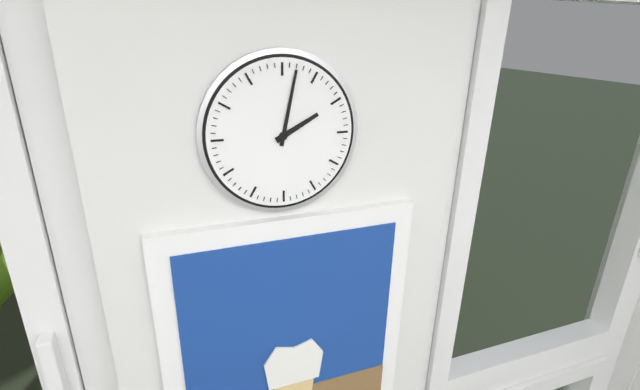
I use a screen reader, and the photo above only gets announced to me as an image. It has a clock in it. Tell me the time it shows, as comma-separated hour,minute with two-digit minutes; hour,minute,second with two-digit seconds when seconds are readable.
2,02
